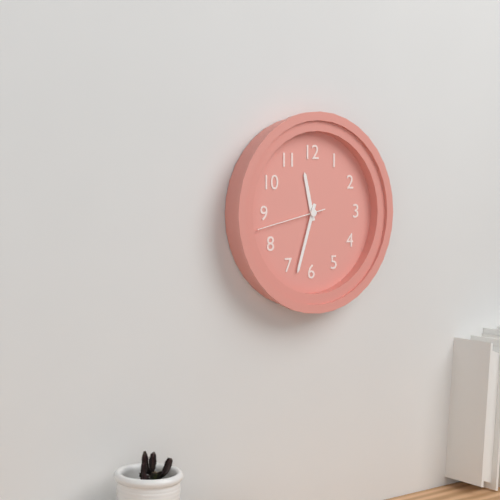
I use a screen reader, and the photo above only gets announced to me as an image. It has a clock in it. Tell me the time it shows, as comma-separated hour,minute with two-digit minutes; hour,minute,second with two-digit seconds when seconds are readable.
11,33,43
